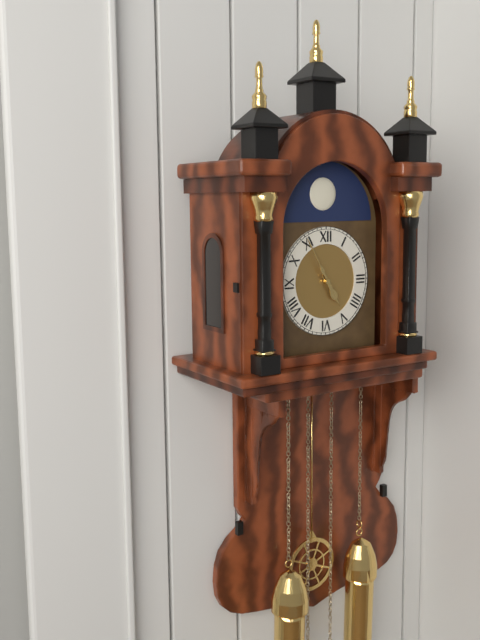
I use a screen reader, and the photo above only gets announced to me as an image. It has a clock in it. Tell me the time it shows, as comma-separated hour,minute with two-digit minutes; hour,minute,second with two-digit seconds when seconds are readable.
4,55
